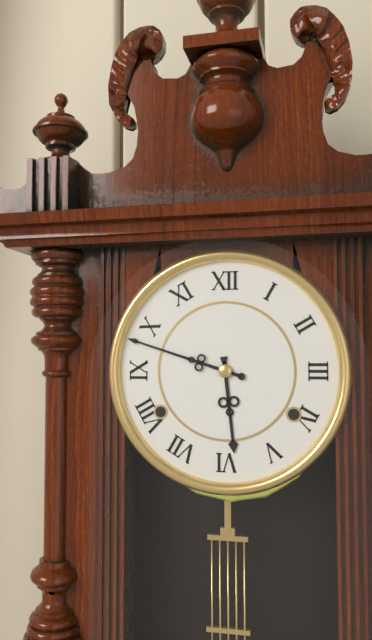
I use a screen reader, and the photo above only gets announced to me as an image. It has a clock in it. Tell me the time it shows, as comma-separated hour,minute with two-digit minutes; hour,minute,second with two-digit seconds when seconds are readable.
5,48
